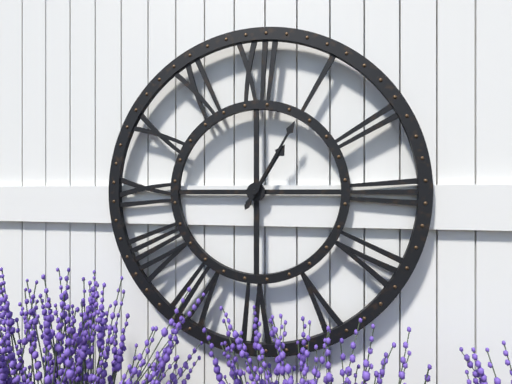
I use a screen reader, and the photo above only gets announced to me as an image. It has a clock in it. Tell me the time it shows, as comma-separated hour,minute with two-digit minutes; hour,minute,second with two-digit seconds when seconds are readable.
1,05
